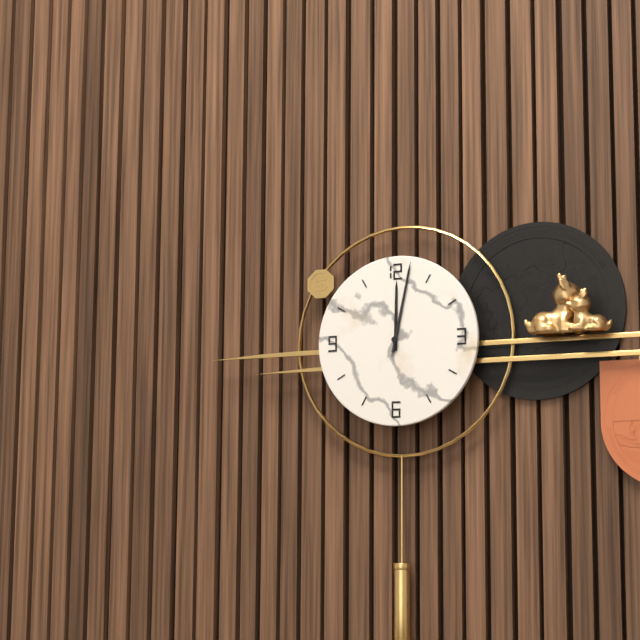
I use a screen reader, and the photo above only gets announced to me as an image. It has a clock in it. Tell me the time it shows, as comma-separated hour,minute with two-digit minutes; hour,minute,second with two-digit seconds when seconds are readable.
12,02,02
